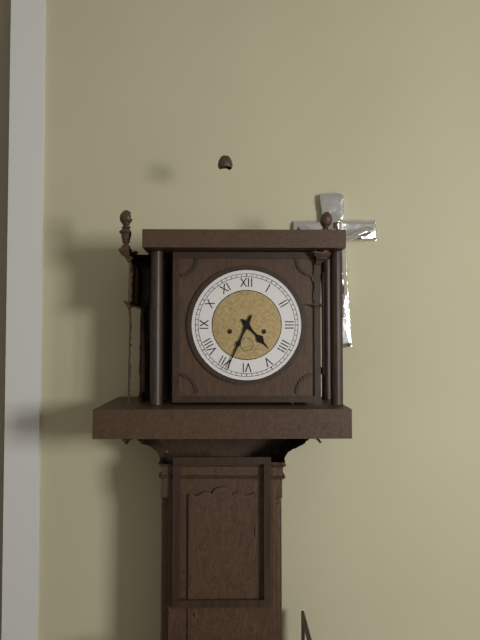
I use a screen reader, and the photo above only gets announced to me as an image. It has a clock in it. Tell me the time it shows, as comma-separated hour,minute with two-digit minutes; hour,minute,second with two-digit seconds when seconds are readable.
4,34
